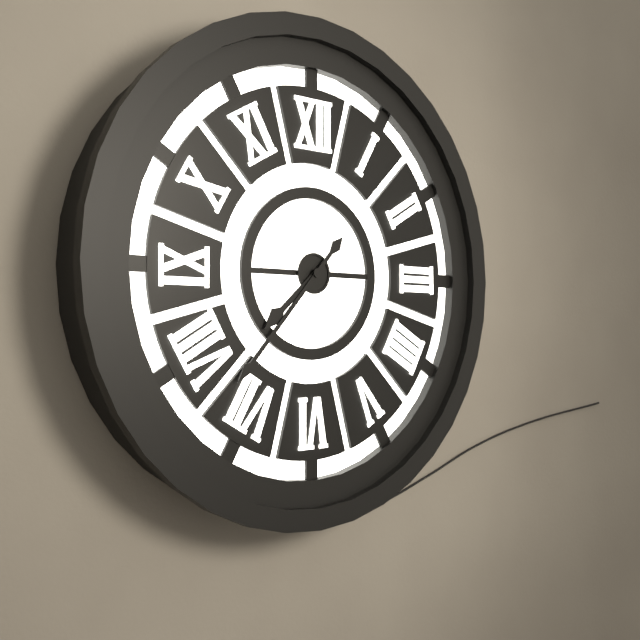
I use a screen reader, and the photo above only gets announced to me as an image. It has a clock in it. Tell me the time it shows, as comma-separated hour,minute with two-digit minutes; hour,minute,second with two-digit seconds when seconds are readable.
7,37
